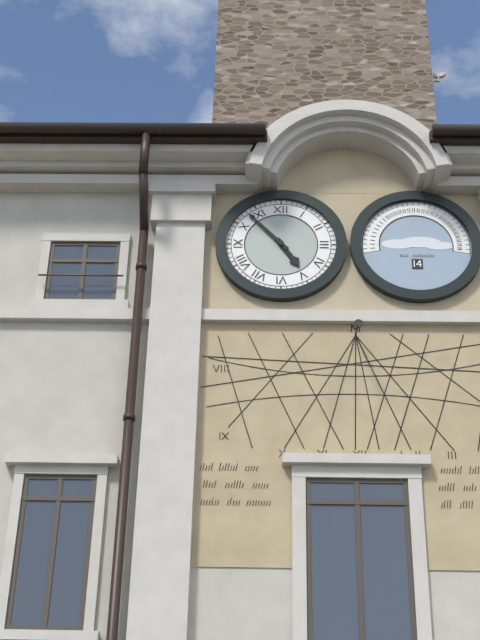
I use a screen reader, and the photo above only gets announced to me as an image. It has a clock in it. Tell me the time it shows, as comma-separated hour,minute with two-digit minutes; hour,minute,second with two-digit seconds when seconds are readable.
4,53
